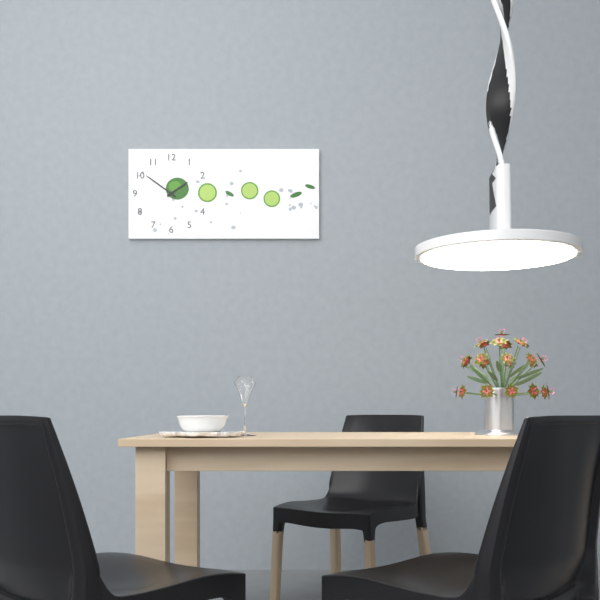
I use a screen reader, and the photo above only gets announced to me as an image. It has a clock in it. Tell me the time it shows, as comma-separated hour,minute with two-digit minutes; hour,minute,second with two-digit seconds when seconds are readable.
1,51
